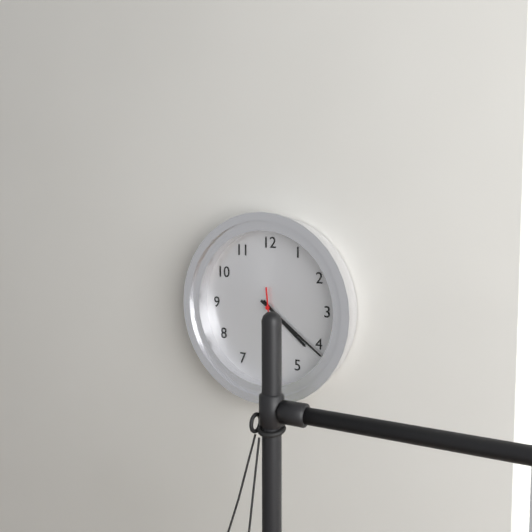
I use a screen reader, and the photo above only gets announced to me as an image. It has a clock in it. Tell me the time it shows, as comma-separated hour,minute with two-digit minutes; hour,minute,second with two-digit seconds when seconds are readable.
4,21
